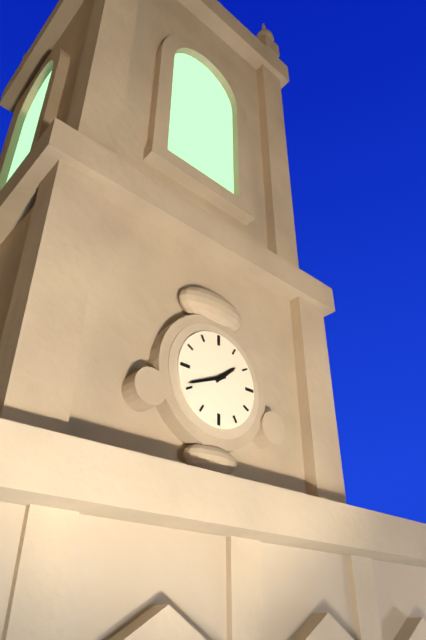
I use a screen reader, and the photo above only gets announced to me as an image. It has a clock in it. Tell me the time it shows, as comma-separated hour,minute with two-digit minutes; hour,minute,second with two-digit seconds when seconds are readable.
1,41
